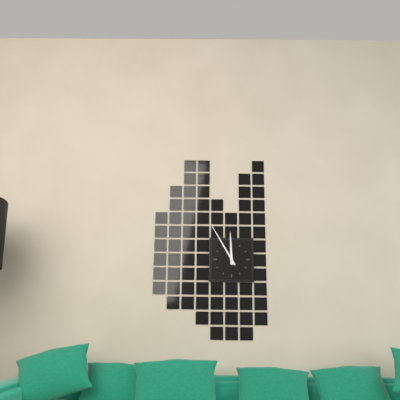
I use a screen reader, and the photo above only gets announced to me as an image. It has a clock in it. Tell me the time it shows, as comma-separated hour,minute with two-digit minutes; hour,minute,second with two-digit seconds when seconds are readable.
11,55
